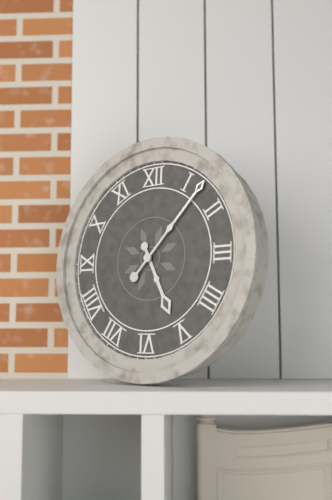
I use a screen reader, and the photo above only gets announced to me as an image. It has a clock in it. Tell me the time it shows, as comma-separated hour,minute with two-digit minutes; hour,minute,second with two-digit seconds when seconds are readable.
5,07
